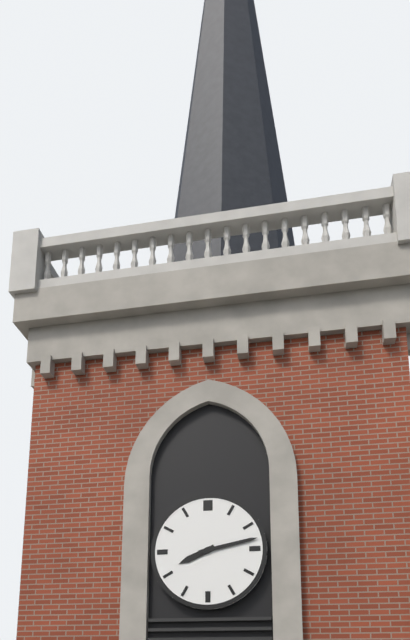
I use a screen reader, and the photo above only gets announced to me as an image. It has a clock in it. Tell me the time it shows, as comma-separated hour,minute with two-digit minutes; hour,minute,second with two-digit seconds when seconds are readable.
8,13
